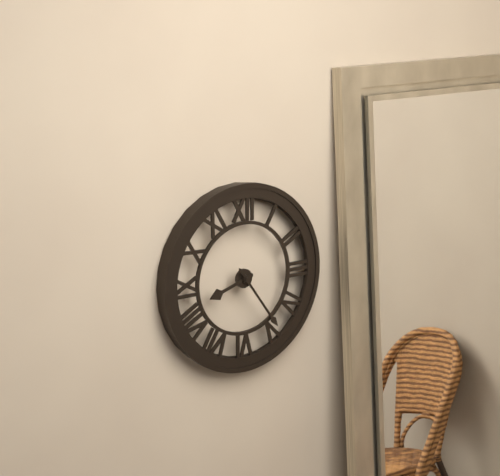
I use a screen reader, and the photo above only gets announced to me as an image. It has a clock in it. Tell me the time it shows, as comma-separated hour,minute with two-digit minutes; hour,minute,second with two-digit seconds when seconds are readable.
8,24
